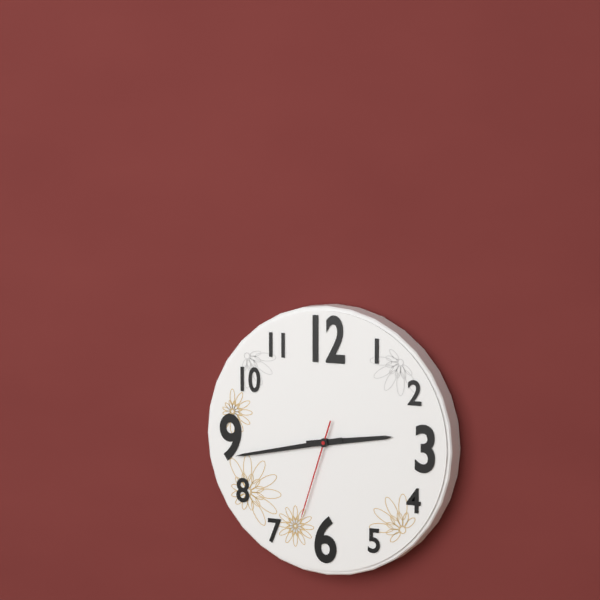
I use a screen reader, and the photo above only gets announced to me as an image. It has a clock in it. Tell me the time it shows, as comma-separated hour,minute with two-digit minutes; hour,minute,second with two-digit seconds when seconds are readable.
2,43,33
